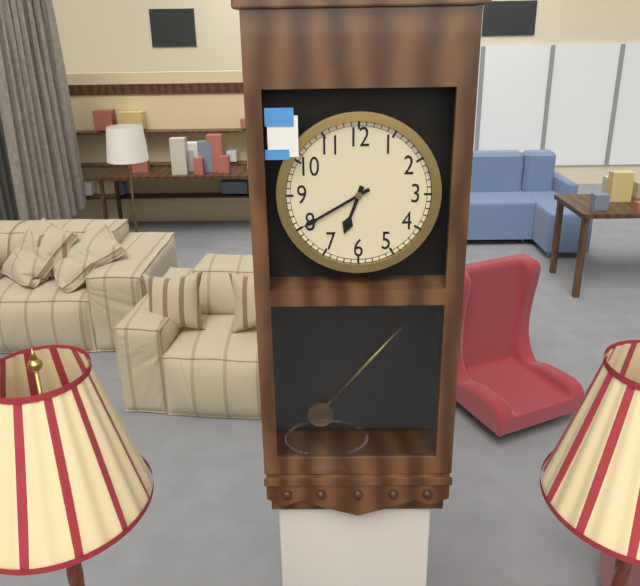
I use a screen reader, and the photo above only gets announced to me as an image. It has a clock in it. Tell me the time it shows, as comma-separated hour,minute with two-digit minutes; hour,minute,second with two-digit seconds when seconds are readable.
6,40
